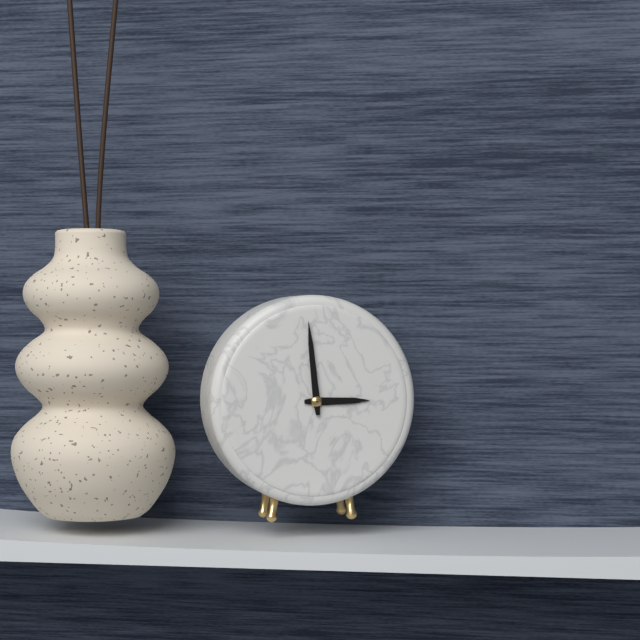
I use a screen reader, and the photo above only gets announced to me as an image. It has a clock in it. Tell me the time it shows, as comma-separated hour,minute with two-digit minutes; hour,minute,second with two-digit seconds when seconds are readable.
2,59
